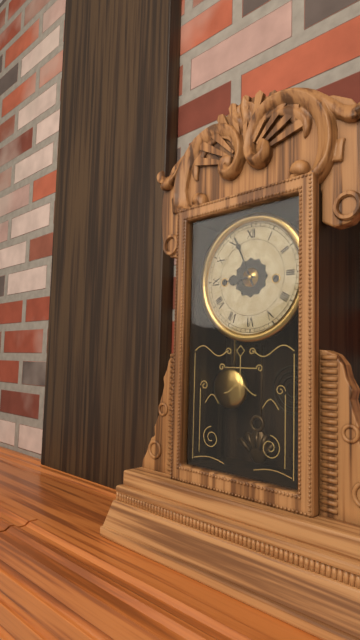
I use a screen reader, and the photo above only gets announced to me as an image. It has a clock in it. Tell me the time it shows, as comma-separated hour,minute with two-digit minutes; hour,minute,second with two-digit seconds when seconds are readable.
8,56
